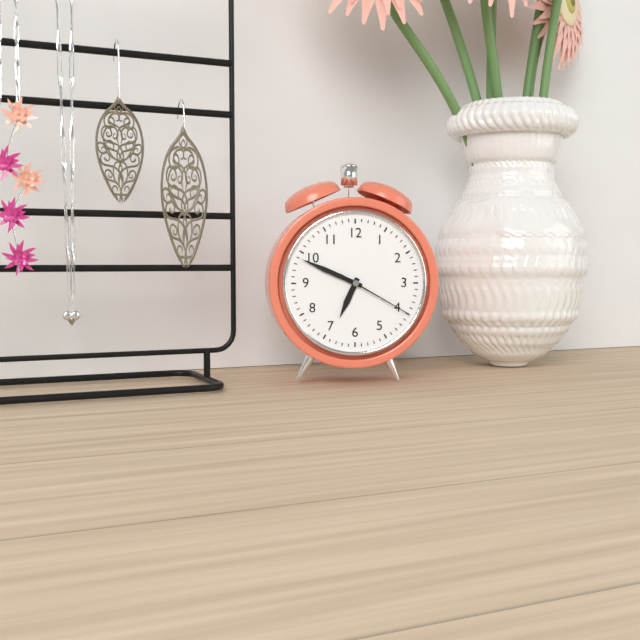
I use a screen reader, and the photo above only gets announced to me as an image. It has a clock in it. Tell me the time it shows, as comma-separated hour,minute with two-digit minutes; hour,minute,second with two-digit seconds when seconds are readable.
6,49,20
